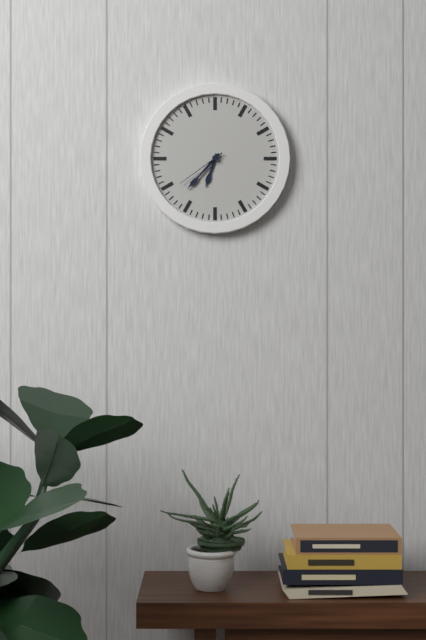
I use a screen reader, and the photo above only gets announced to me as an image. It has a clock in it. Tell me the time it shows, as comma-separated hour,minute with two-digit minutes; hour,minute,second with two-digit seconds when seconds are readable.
6,37,39
